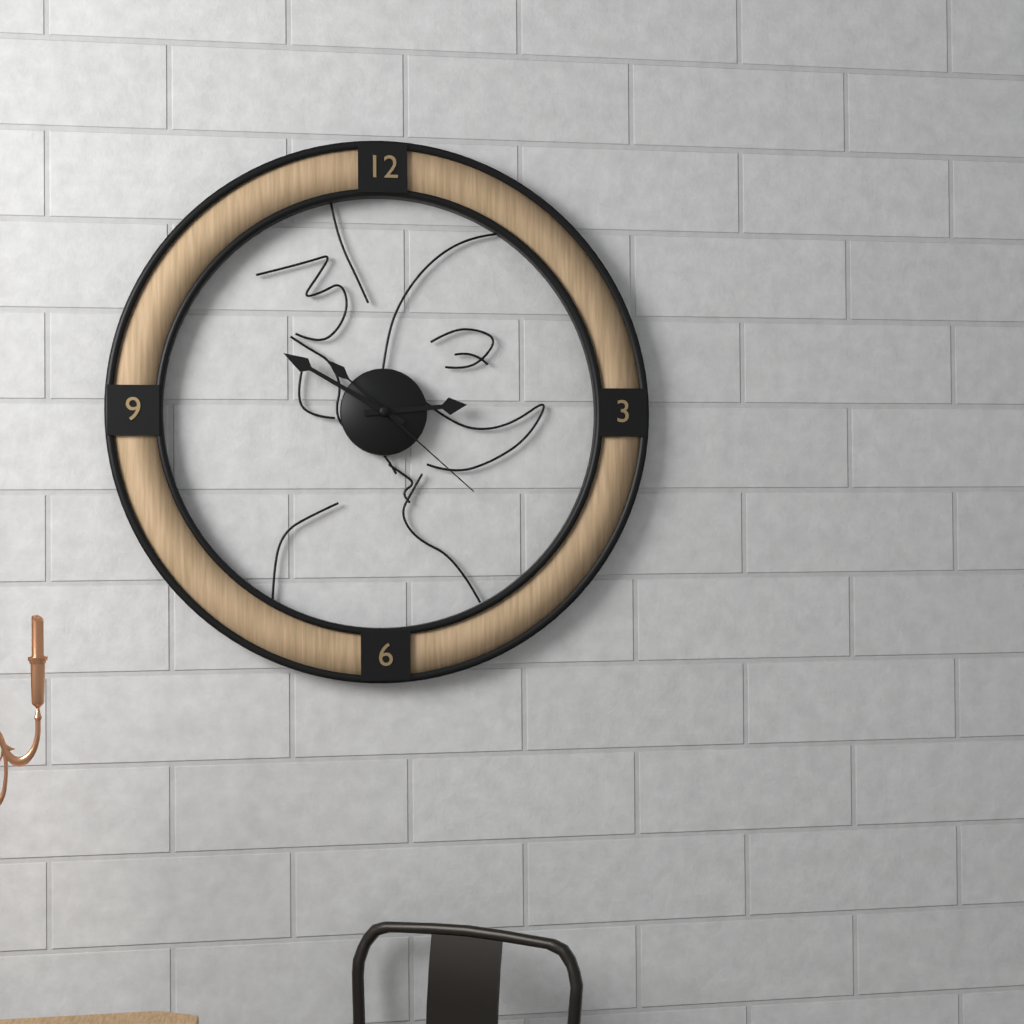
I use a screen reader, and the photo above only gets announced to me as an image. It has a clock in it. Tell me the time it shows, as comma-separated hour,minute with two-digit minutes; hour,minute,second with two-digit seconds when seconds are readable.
2,50,22
